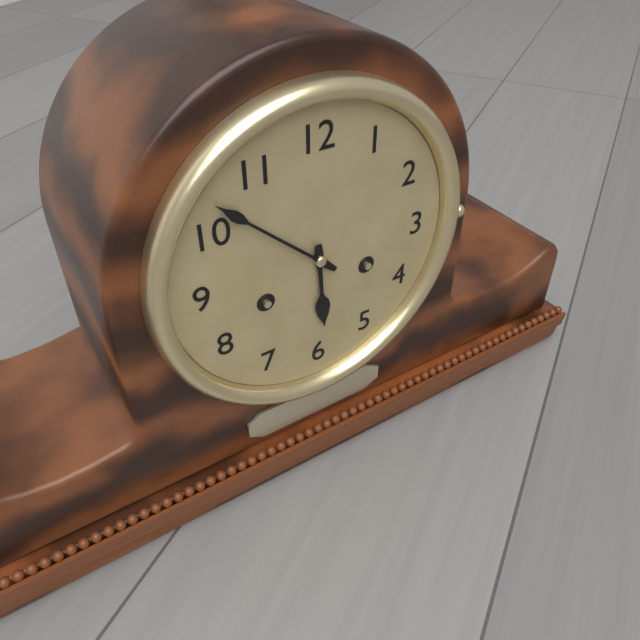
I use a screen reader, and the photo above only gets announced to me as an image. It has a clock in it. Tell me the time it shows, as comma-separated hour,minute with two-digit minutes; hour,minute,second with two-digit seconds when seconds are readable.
5,52
